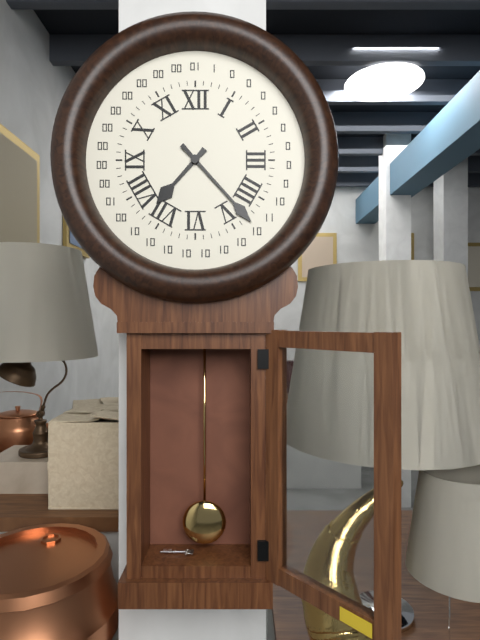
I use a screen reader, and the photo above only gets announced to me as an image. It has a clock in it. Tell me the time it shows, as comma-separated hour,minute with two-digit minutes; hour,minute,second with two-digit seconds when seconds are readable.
7,23
